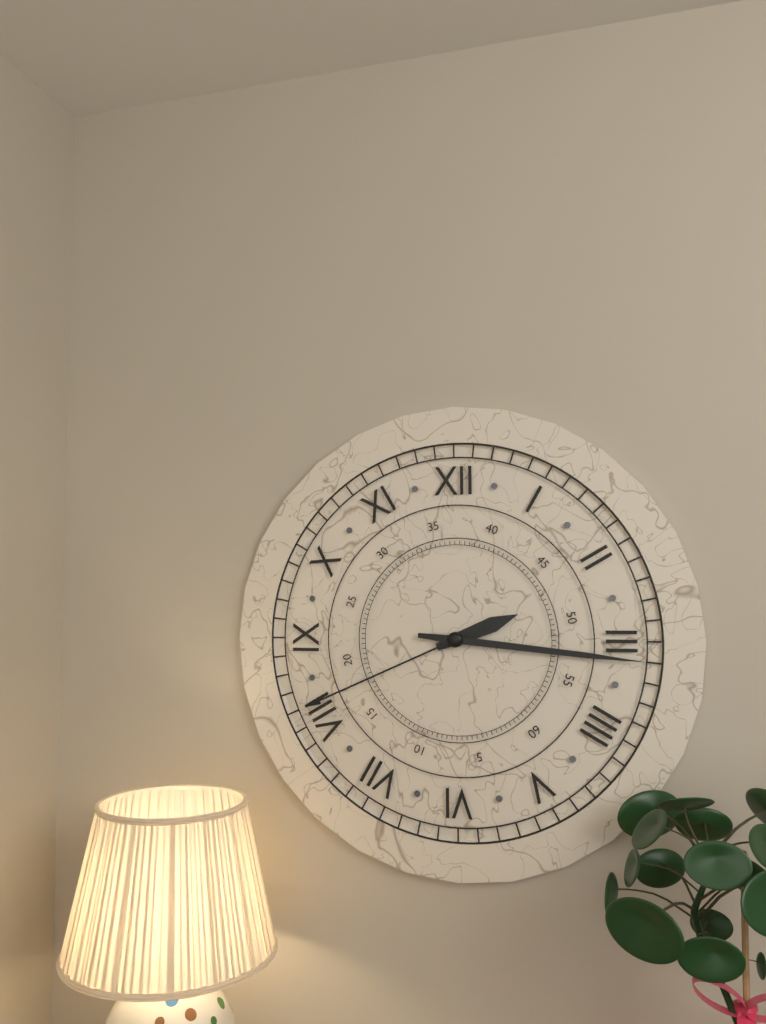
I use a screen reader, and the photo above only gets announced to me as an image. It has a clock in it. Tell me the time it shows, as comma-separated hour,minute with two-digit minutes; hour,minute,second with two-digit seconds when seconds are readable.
2,16,41
